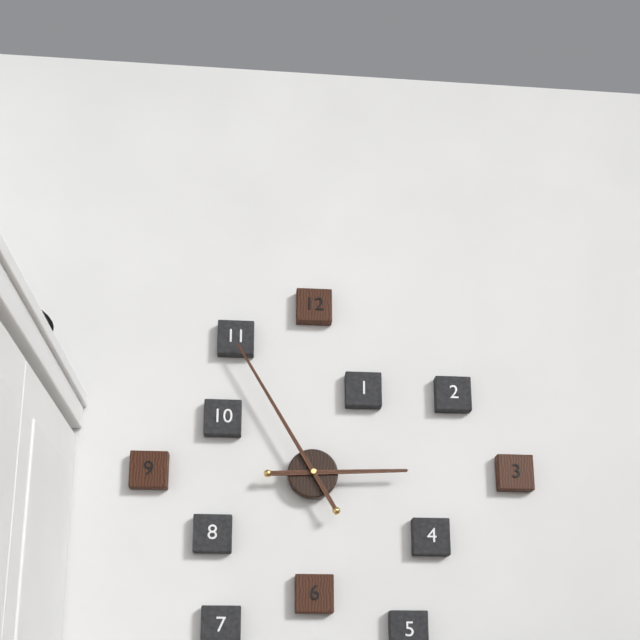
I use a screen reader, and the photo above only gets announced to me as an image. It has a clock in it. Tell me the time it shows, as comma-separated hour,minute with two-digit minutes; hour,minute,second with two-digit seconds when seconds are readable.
2,55
